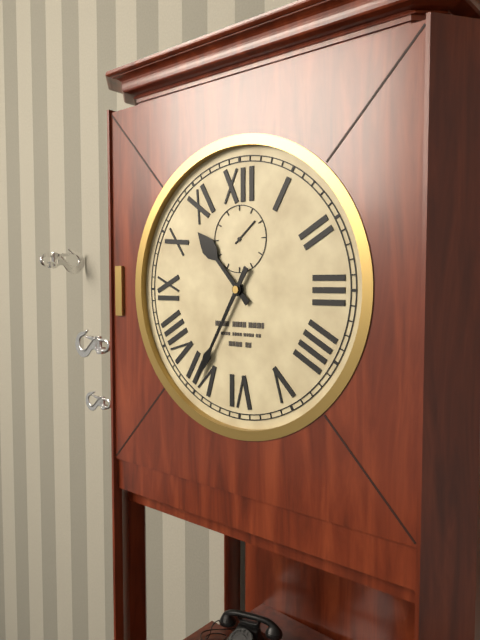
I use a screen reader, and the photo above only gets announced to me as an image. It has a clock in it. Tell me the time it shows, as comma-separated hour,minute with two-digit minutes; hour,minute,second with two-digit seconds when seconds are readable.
10,35
